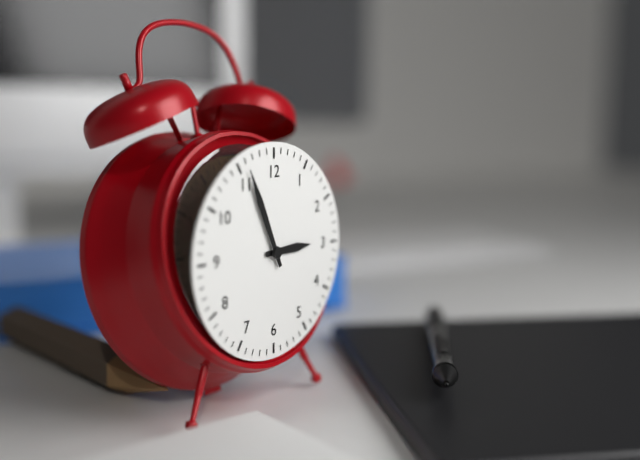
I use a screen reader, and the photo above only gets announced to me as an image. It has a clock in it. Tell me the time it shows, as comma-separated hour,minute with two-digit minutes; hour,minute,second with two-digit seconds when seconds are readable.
2,56
